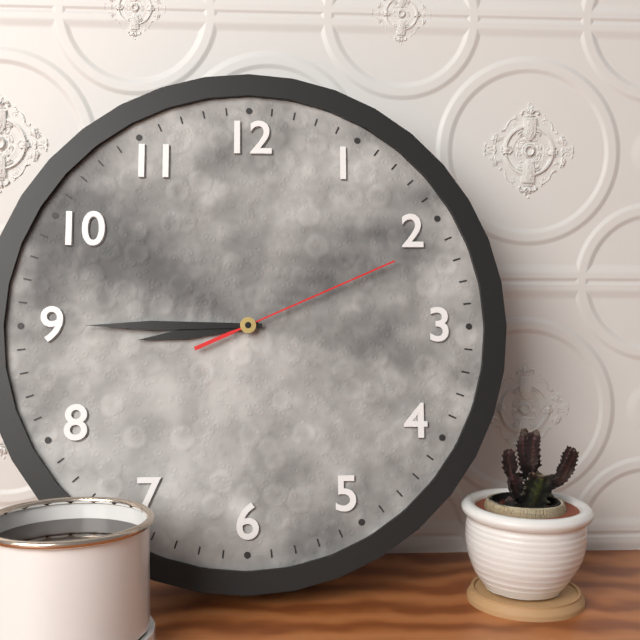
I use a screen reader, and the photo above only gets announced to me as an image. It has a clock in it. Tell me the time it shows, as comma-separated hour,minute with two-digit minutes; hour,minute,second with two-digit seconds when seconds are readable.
8,45,11
